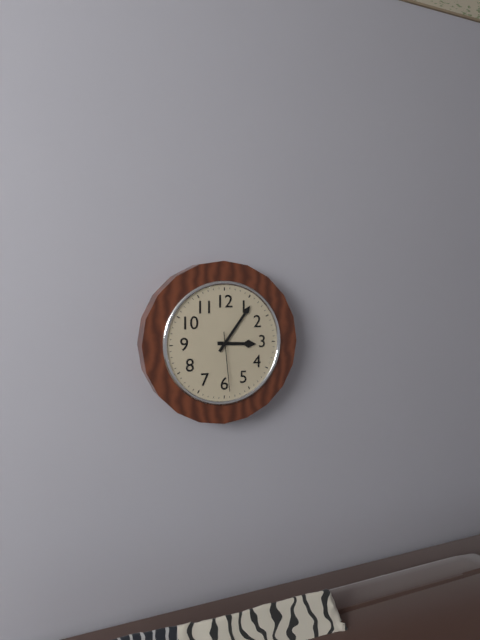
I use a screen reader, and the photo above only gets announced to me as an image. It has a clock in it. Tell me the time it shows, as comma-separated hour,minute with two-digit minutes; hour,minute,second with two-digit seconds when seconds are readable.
3,06,29
